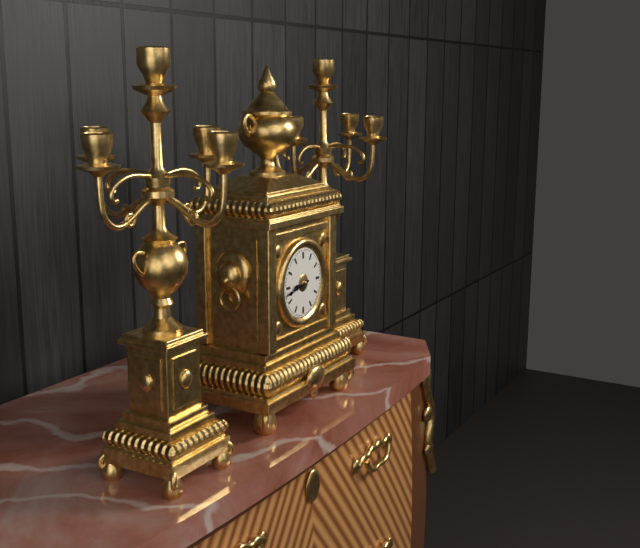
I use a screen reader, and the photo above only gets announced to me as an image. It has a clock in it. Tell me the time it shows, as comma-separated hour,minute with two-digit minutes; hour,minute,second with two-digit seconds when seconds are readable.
8,43
